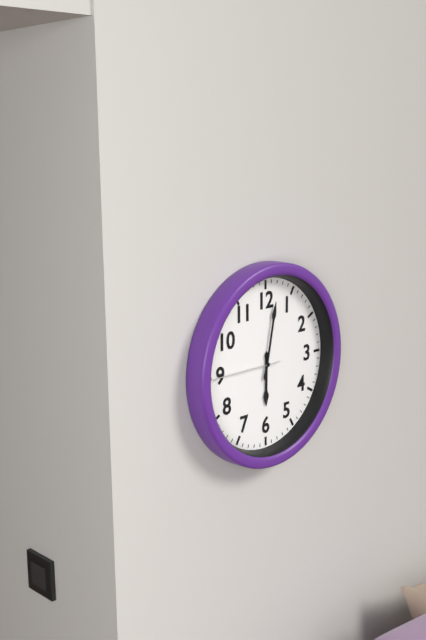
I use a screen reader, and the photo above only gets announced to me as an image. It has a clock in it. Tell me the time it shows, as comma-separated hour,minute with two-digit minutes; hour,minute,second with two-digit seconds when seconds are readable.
6,02,45
